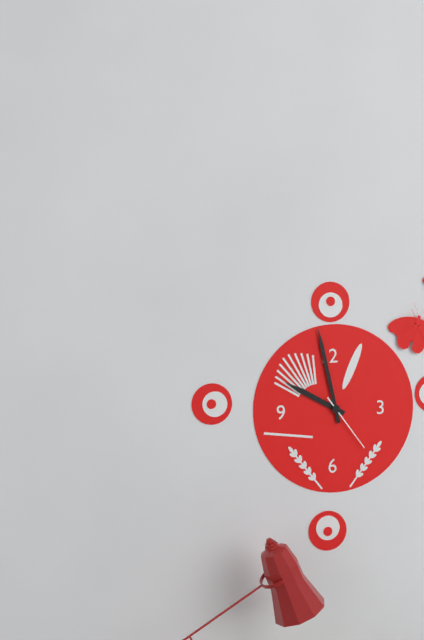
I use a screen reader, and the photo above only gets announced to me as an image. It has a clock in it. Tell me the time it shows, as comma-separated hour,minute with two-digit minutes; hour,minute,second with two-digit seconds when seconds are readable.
9,58,24
